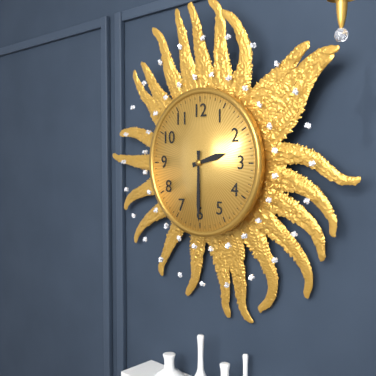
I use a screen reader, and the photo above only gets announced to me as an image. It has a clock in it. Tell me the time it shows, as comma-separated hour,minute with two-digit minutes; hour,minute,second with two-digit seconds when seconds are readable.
2,30
